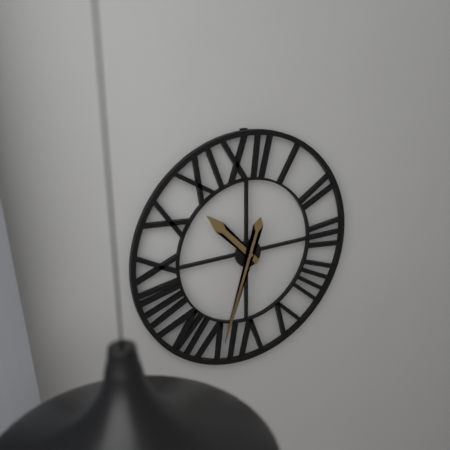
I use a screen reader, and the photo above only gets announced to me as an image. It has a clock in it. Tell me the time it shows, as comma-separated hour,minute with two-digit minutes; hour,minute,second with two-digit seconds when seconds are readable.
10,33
